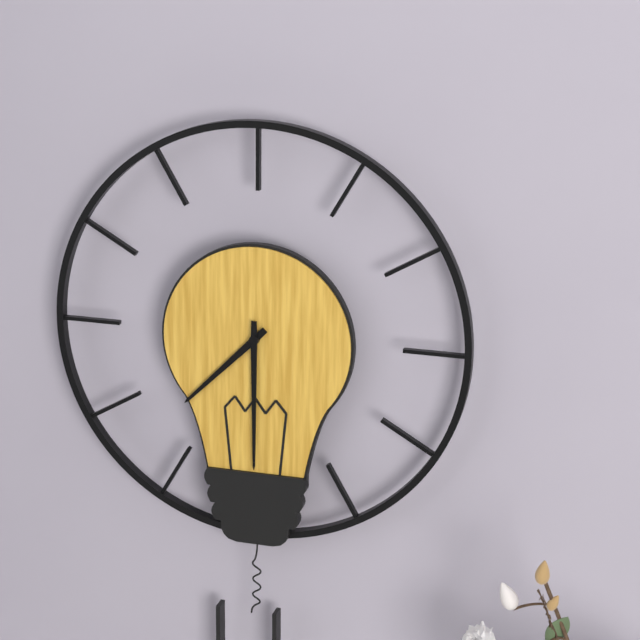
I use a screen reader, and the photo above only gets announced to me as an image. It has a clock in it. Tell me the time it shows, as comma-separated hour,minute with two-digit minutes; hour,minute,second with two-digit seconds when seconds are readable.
7,30
